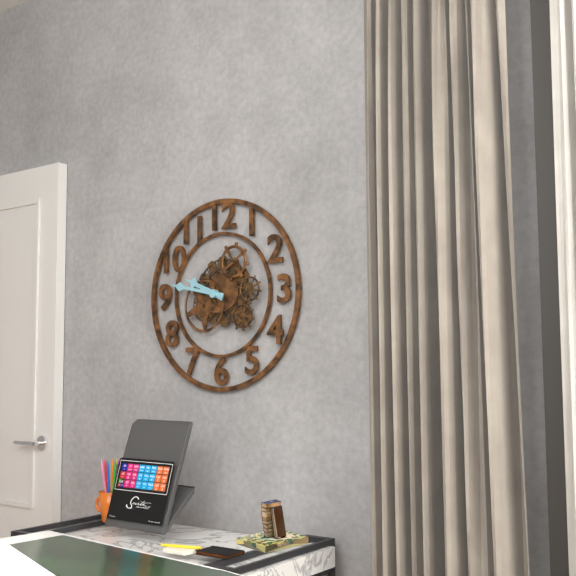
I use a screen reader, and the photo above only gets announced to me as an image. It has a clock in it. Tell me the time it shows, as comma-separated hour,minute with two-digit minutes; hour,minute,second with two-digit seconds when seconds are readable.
9,47
